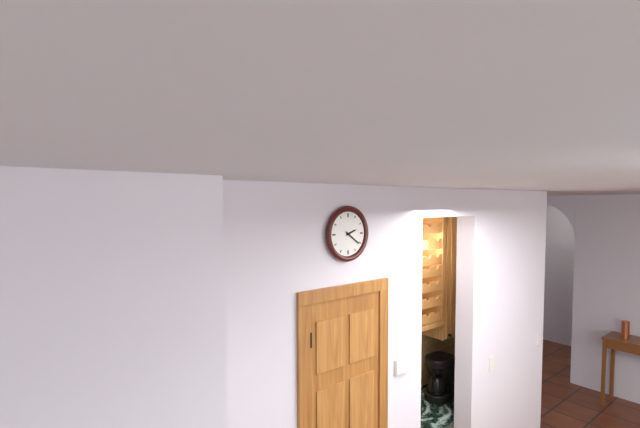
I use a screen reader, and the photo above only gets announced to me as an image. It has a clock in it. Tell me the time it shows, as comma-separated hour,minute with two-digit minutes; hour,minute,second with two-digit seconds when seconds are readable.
2,21
